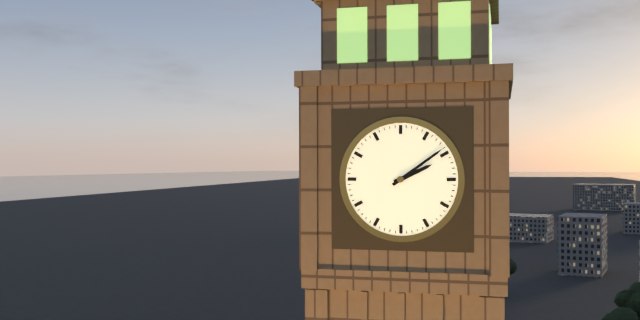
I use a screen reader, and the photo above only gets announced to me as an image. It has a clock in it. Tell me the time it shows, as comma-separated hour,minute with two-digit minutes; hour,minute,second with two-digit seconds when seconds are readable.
2,09
